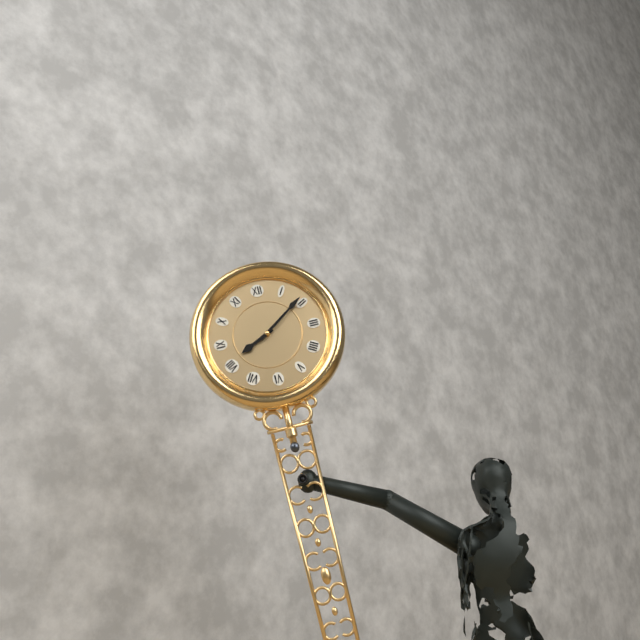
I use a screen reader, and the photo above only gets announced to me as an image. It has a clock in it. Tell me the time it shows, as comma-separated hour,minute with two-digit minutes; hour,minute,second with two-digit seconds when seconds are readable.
8,09
